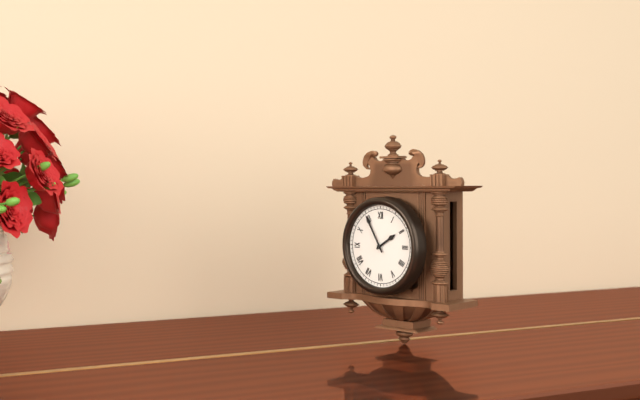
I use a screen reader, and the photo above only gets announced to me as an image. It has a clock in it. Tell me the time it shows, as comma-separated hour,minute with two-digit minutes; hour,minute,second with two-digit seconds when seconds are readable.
1,55
